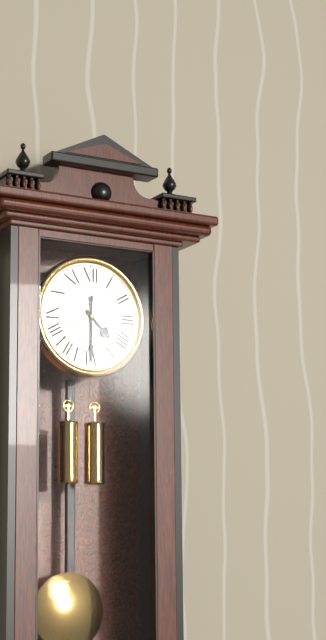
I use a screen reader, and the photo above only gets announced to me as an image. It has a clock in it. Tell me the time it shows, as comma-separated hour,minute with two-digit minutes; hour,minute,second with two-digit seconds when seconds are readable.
4,30
